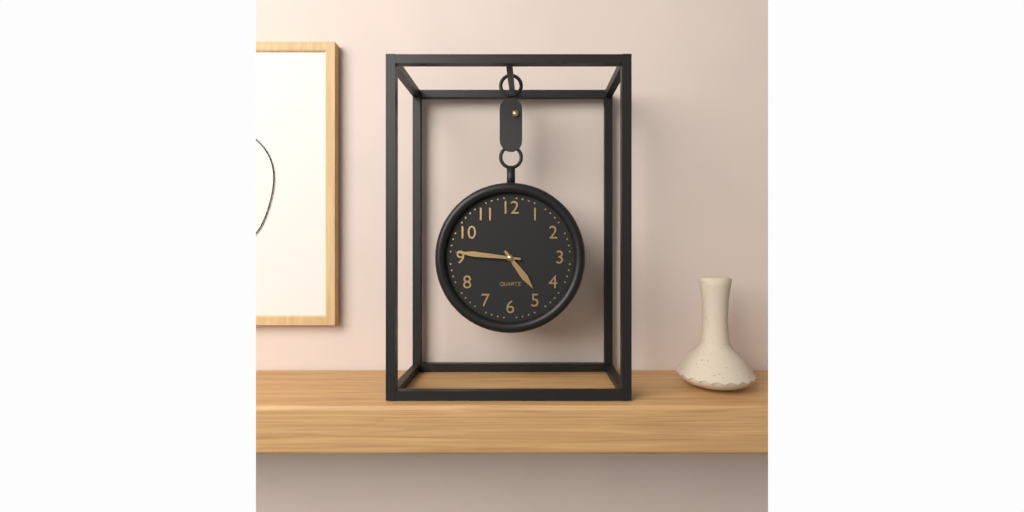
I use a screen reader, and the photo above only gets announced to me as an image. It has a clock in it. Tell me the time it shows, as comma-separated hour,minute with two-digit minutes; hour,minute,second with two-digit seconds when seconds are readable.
4,46
